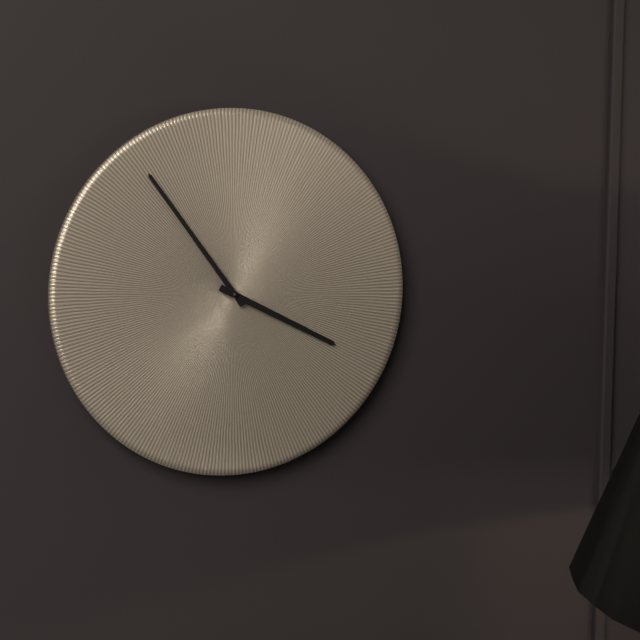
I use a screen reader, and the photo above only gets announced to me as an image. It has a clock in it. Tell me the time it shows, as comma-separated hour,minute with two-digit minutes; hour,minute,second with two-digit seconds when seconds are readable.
3,54
